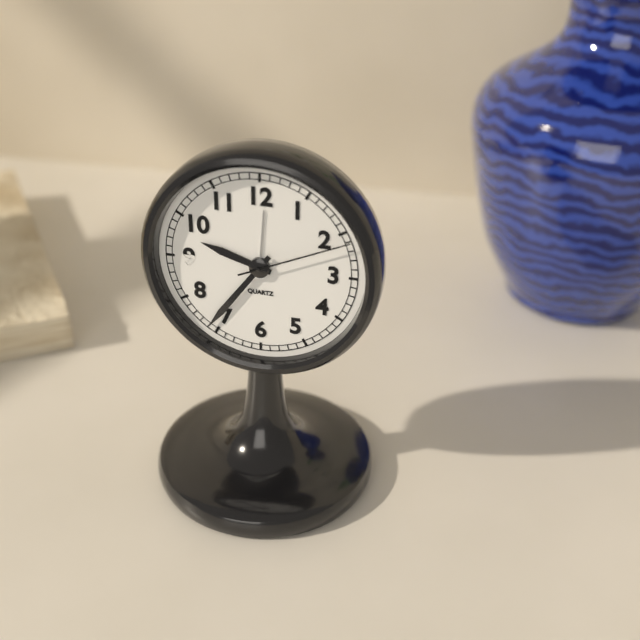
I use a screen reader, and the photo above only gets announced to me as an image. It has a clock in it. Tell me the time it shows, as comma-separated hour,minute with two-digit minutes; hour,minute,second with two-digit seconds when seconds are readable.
9,36,11
